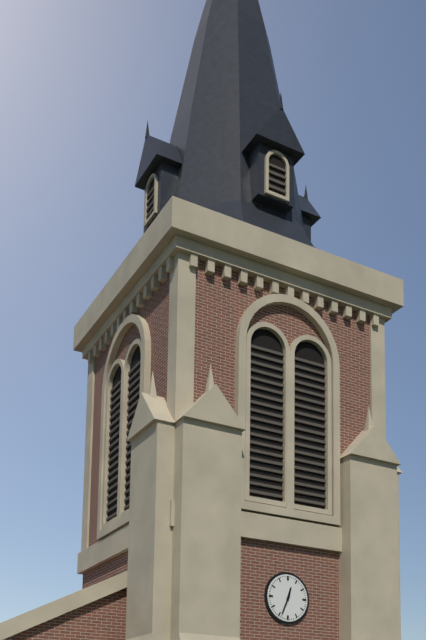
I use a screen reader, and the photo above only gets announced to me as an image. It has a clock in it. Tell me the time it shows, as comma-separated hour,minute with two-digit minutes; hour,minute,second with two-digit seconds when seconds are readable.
12,34
